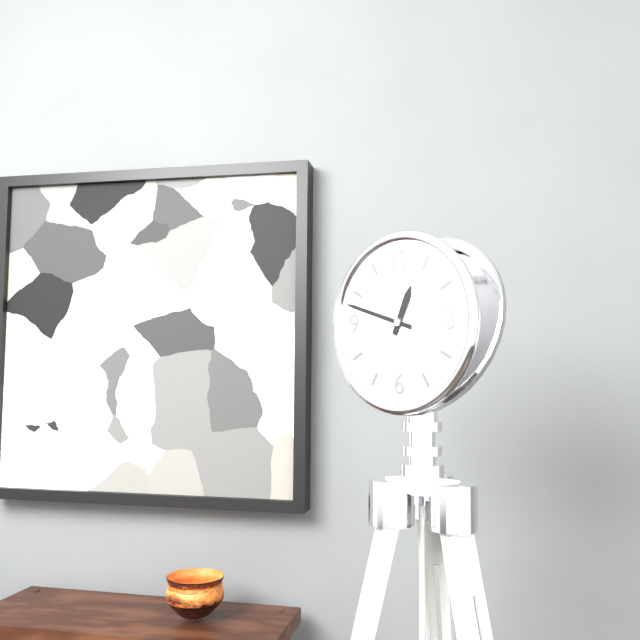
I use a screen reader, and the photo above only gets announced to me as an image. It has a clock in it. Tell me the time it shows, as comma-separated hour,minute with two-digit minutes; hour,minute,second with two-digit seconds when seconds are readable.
12,48
